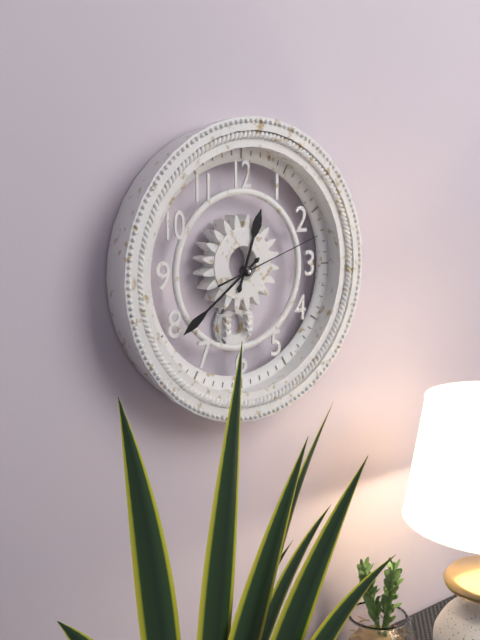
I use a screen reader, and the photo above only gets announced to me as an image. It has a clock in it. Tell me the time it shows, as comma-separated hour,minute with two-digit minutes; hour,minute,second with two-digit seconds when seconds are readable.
12,39,12
